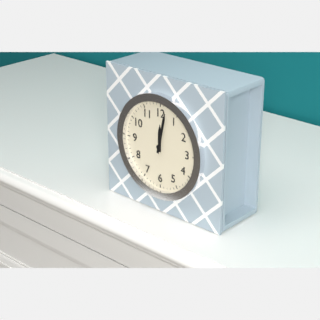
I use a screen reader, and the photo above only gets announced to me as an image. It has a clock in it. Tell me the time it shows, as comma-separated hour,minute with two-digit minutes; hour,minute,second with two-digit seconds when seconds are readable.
12,02
